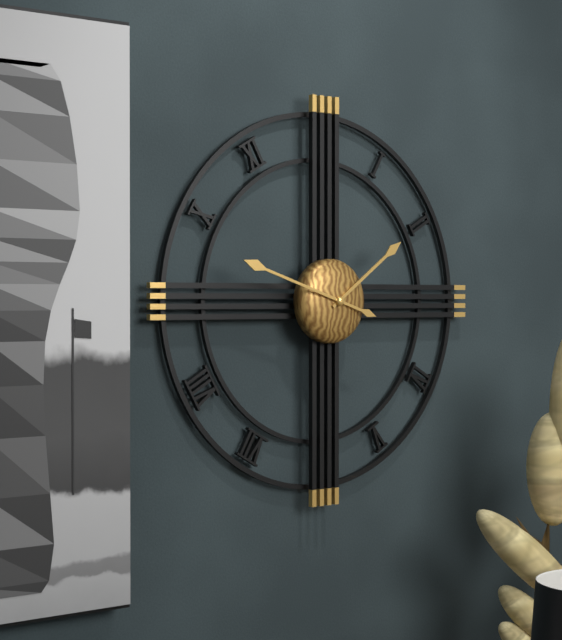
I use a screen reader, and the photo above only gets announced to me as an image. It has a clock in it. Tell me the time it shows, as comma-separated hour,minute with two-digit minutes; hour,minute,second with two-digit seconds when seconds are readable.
1,48
